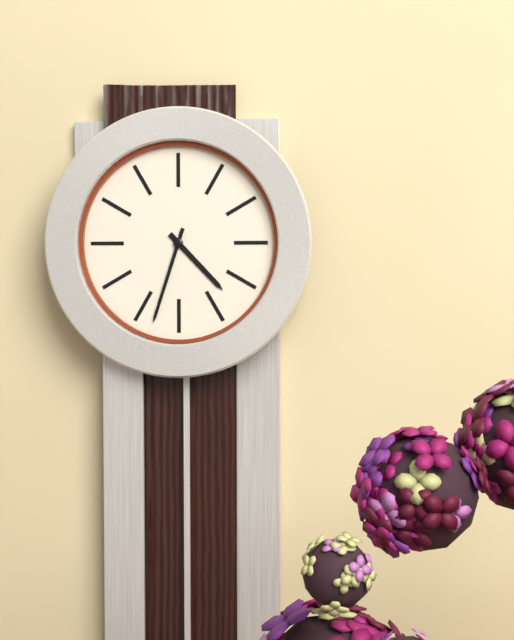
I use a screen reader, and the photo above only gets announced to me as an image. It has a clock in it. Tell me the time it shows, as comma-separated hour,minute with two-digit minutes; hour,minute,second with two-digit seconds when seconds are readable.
4,33
